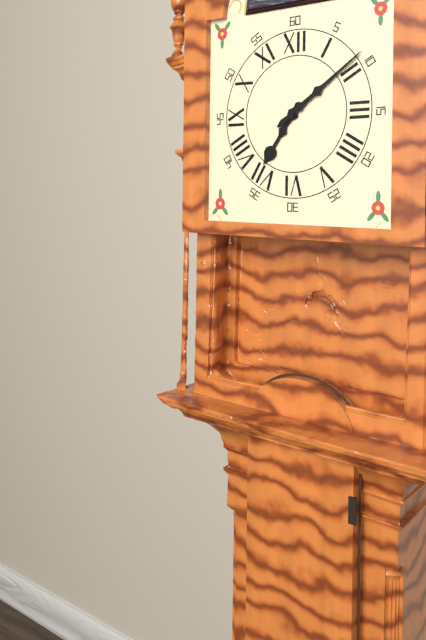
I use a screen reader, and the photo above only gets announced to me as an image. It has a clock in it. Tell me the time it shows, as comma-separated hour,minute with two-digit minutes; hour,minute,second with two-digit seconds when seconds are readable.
7,09
